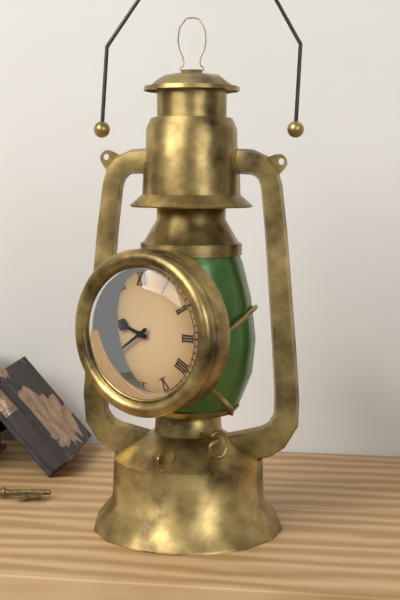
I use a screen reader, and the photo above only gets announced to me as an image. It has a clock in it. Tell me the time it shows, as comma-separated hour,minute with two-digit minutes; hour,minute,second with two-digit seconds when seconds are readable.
9,39
